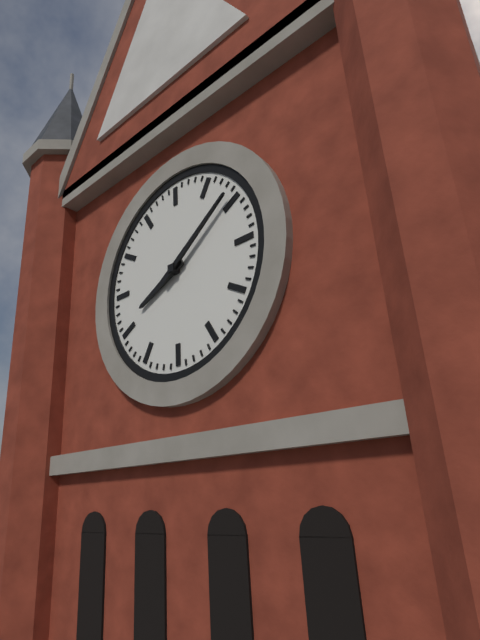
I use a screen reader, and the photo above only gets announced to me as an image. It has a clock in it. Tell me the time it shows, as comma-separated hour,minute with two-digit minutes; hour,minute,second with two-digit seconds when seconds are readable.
8,09
